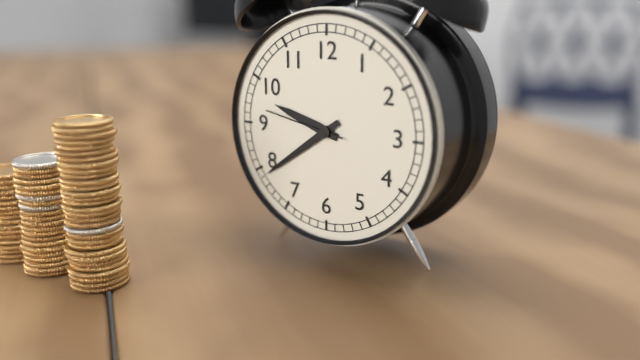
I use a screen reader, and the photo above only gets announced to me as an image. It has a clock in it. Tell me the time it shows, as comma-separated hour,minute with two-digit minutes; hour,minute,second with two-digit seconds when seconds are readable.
9,39,47
